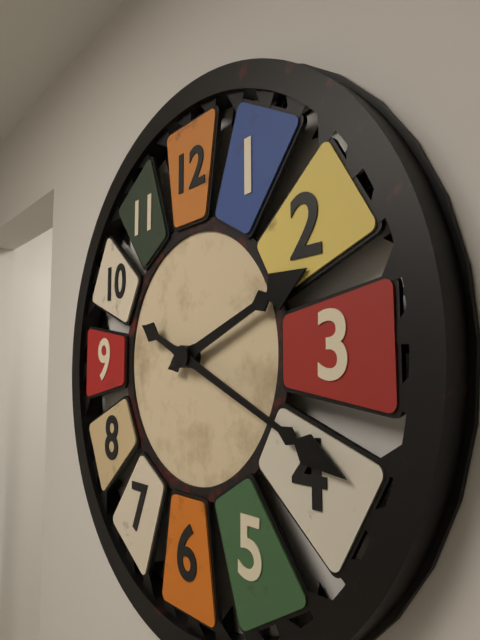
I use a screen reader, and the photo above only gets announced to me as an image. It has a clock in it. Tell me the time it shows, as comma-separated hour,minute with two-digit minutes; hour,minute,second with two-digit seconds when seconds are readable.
2,19
